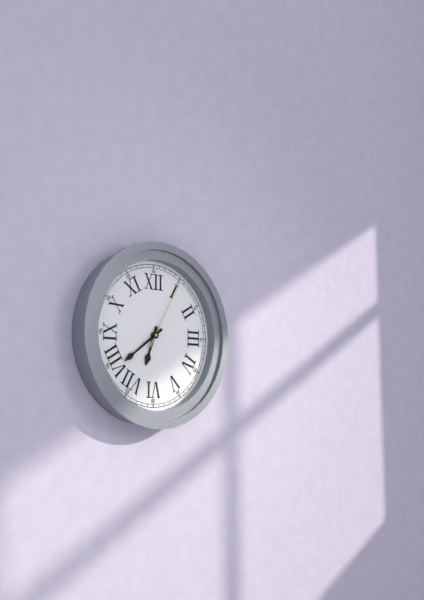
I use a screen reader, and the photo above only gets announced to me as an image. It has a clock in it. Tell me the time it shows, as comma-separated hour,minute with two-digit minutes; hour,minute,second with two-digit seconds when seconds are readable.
6,39,05
